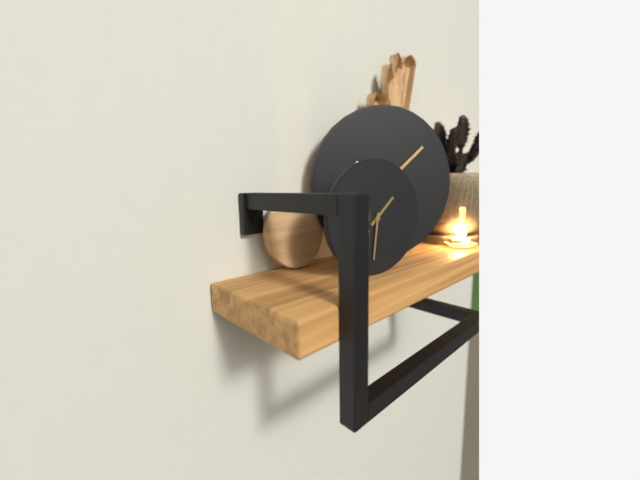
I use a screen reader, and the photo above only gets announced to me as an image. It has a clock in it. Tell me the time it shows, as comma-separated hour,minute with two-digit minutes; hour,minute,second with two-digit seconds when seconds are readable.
1,31
